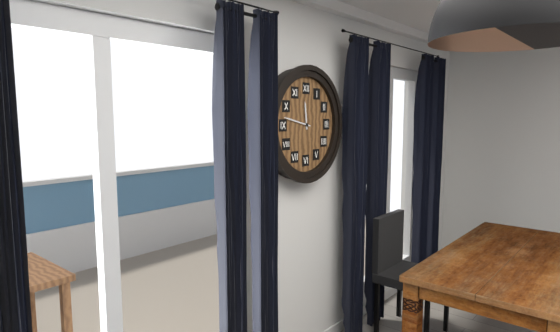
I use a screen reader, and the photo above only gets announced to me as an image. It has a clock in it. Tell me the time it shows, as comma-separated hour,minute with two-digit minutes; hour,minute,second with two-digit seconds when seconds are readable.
11,47
